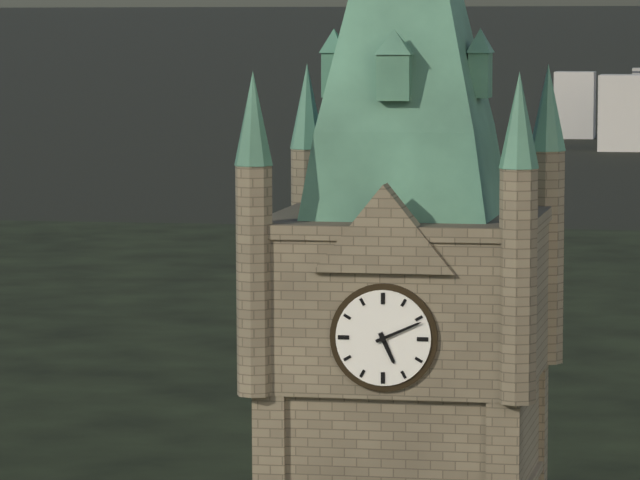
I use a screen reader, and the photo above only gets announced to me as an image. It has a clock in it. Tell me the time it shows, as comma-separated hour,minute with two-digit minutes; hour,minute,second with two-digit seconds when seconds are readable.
5,11
